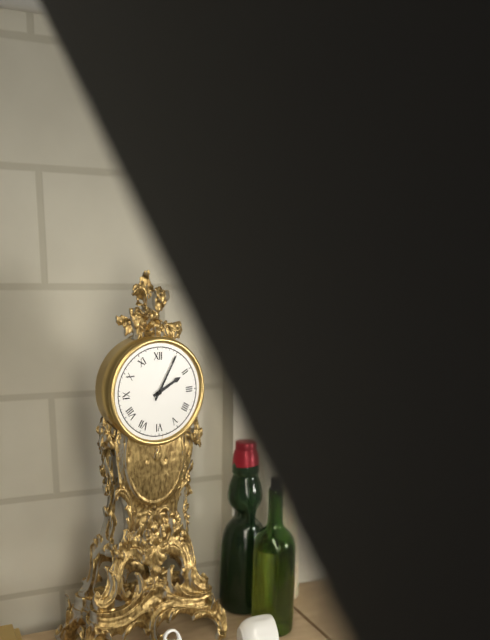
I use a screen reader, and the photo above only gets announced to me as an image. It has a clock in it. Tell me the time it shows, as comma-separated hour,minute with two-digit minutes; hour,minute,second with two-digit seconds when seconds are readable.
2,05
